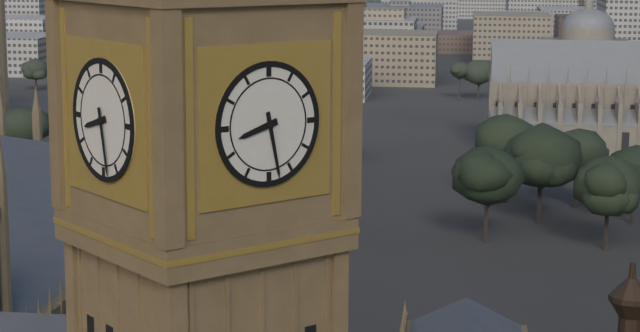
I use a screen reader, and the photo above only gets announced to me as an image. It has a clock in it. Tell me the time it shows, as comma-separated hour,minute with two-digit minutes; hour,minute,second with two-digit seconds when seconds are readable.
8,28
